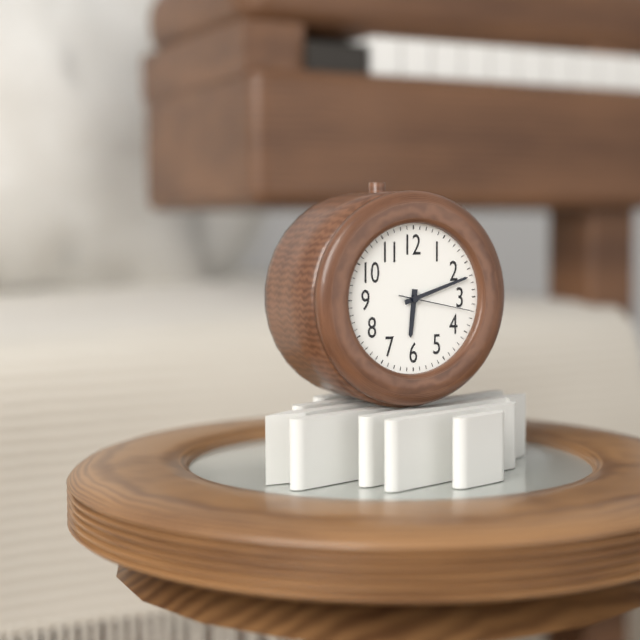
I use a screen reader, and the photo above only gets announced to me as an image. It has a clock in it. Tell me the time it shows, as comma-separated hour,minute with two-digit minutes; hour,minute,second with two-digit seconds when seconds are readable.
6,12,17
